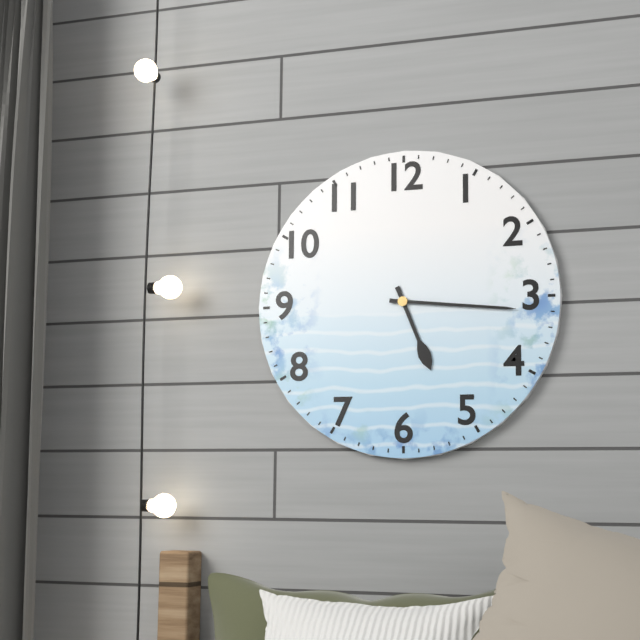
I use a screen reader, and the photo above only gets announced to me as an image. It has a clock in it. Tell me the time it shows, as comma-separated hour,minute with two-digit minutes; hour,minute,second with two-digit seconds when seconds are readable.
5,16
